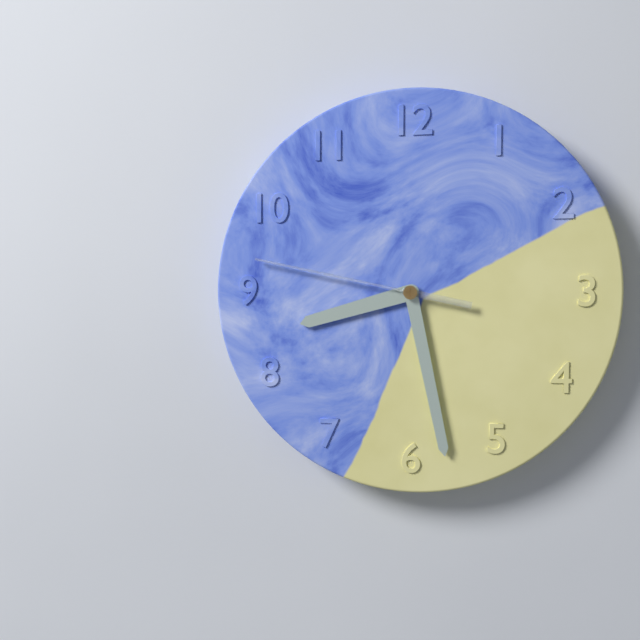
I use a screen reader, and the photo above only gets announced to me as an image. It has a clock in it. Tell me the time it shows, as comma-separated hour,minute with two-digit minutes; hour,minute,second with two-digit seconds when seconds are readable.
8,28,47
